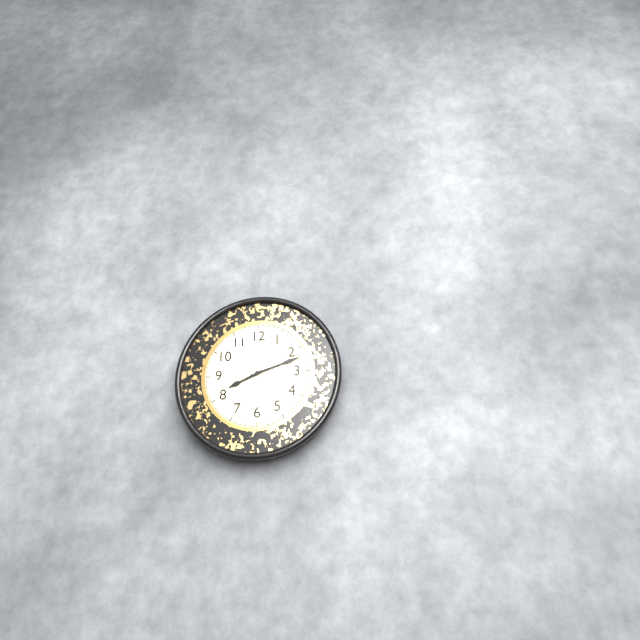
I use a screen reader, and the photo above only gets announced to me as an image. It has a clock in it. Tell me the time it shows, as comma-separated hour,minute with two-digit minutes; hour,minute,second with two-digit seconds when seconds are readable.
8,12
